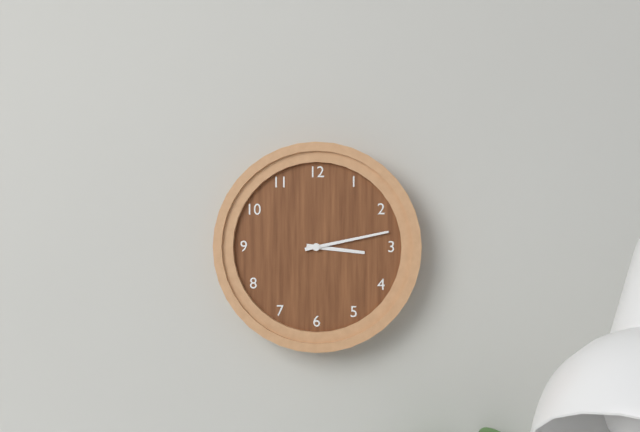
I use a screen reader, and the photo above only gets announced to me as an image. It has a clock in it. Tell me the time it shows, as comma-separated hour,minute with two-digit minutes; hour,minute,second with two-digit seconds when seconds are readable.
3,13
